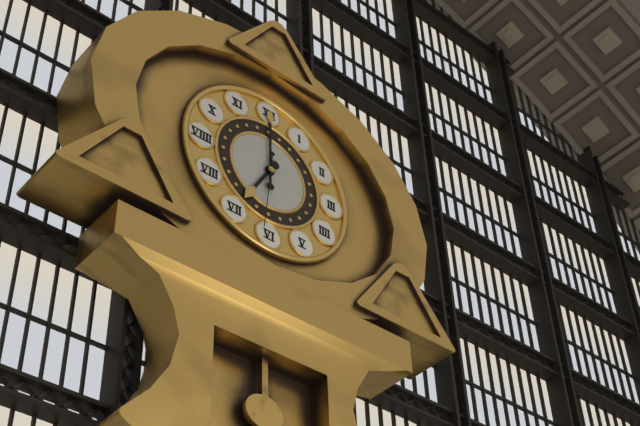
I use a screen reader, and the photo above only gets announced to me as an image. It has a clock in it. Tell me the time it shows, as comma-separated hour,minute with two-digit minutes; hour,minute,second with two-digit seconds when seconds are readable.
7,00,31
